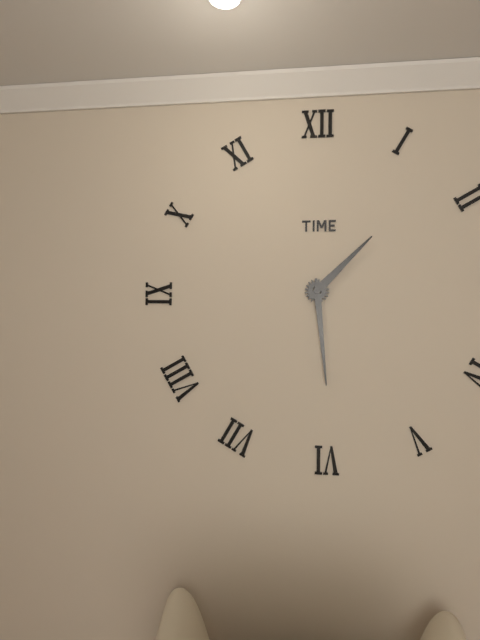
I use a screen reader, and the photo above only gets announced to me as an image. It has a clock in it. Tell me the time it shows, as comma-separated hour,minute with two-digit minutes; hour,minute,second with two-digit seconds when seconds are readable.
1,29
